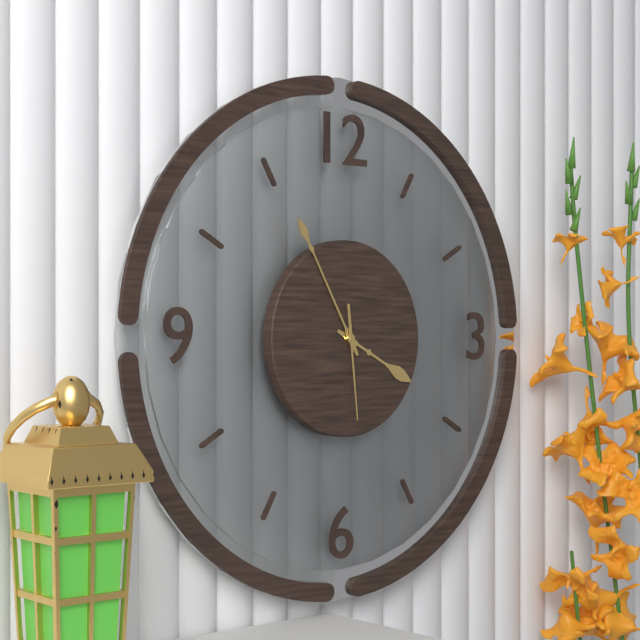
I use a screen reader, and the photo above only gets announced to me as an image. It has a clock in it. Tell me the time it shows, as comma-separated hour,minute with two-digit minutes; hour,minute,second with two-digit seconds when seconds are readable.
3,55,29
